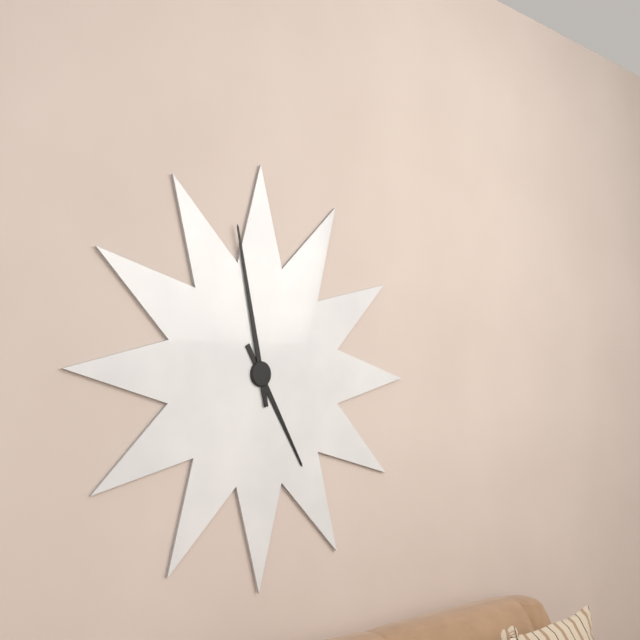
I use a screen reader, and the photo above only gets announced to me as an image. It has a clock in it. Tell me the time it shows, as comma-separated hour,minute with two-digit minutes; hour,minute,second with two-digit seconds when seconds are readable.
4,58
